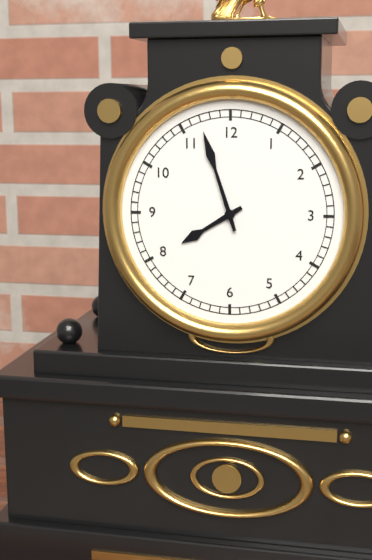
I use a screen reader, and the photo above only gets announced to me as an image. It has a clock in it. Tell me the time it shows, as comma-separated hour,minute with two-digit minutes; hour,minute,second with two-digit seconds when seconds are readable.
7,57
